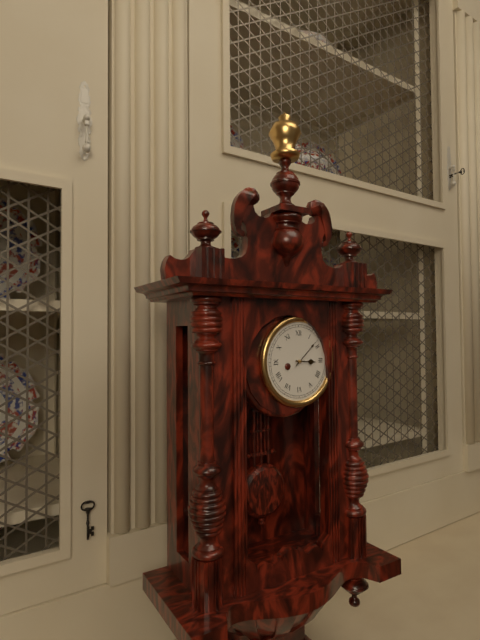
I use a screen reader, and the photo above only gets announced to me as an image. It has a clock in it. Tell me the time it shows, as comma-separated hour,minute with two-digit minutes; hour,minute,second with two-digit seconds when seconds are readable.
3,08
